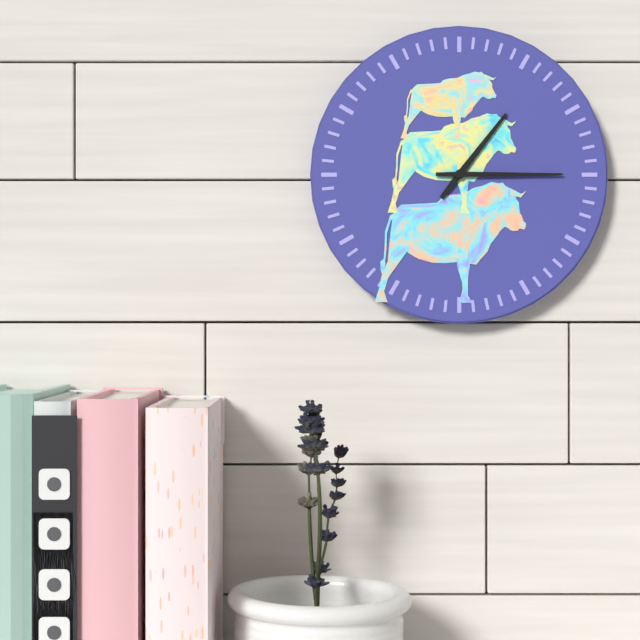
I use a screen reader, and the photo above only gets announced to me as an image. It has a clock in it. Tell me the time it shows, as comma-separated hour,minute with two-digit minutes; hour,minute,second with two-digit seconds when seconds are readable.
1,15
